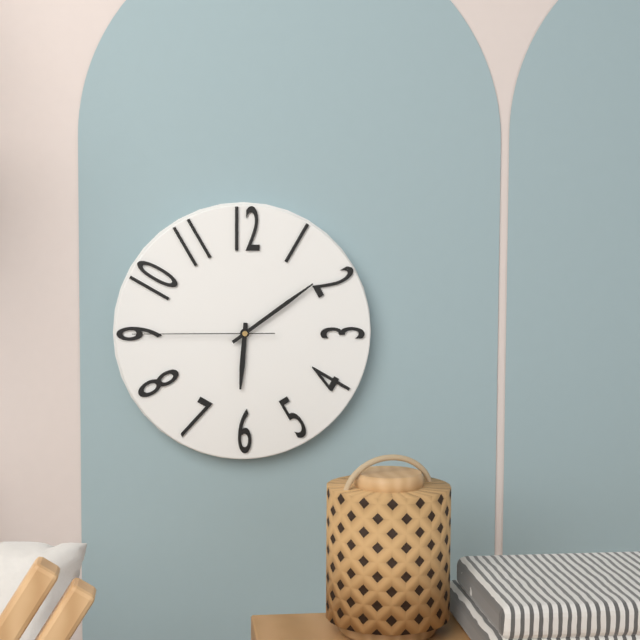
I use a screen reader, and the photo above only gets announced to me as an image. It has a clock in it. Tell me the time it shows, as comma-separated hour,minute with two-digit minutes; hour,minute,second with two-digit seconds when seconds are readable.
6,09,45
